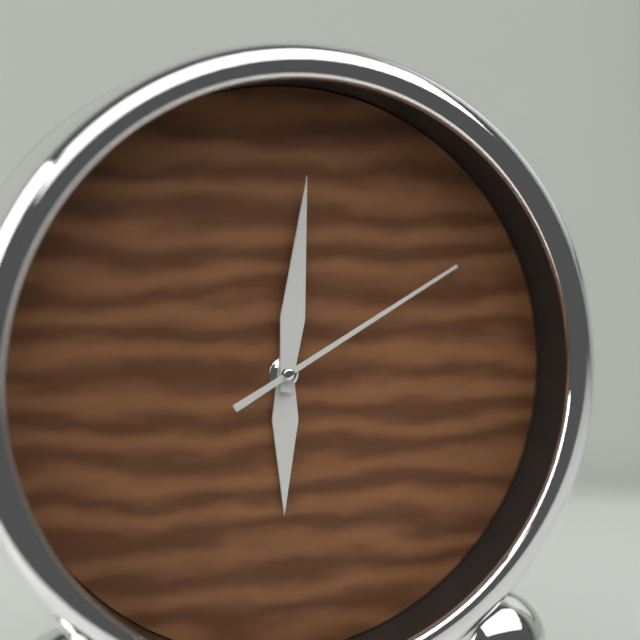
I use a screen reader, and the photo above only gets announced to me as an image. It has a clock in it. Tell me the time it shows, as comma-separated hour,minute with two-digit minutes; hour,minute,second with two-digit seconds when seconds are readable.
6,01,10
